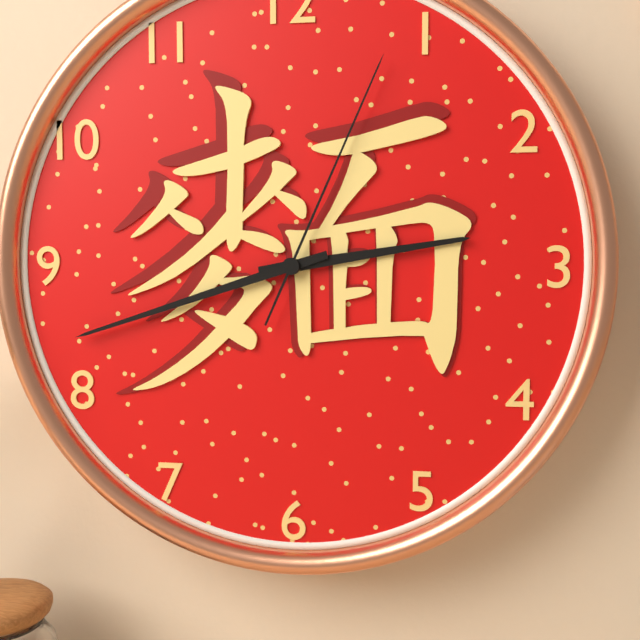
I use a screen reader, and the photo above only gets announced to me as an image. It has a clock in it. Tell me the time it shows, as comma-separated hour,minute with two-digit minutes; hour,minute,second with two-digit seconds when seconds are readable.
2,42,04
